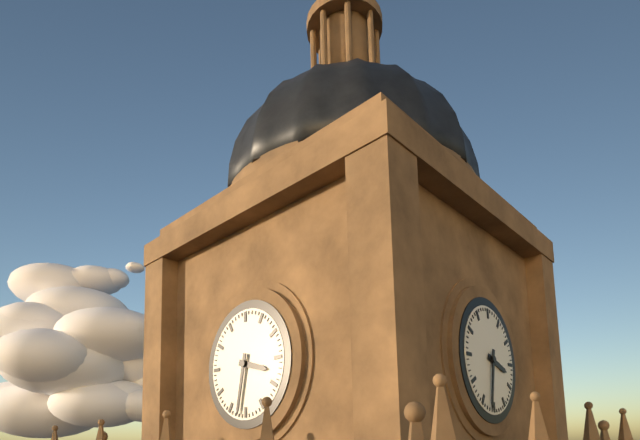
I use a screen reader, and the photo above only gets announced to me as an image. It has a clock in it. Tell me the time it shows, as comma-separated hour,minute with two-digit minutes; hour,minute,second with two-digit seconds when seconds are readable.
3,32
